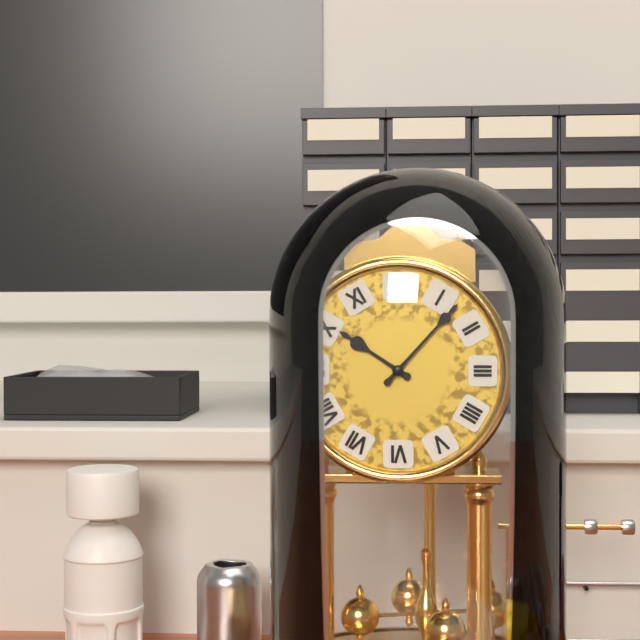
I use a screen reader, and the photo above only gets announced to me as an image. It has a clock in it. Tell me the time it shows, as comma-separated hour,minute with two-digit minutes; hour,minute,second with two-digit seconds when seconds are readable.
10,07
